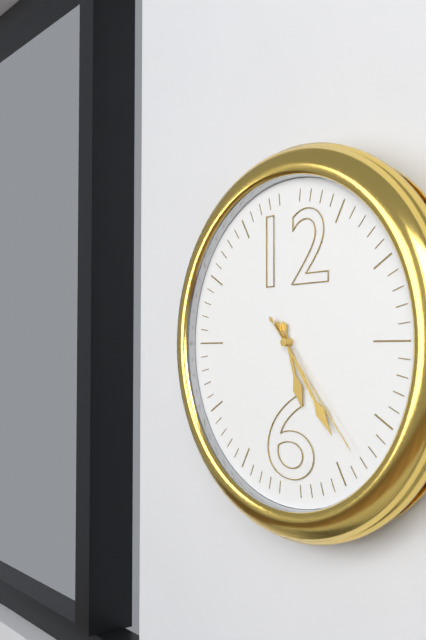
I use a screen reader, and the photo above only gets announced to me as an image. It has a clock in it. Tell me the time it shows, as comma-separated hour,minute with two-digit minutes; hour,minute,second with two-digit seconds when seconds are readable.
5,24,23
